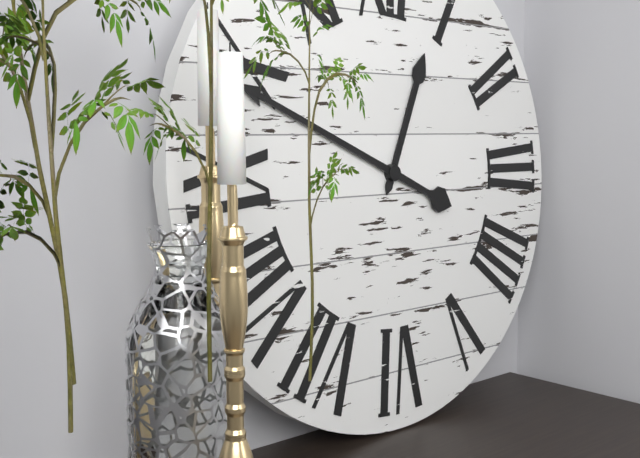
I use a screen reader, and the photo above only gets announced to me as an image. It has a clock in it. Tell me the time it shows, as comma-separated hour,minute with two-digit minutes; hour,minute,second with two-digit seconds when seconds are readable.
12,49
